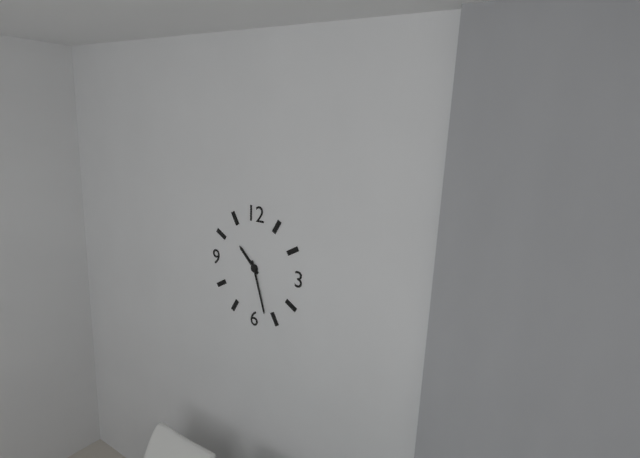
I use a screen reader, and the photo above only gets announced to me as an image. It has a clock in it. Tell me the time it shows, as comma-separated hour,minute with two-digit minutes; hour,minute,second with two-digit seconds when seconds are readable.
10,27
